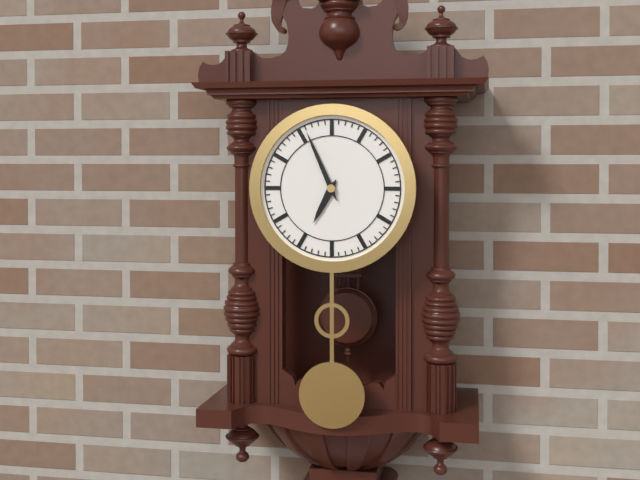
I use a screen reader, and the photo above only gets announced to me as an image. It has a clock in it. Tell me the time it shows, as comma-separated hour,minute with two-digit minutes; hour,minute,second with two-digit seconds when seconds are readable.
6,56
